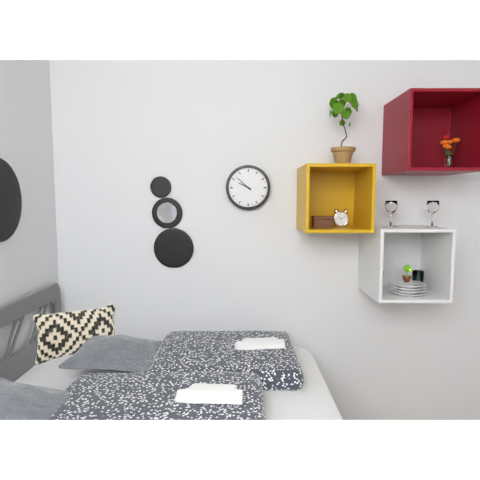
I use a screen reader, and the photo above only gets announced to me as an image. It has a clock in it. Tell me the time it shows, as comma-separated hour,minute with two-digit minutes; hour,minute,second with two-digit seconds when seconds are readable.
9,52
